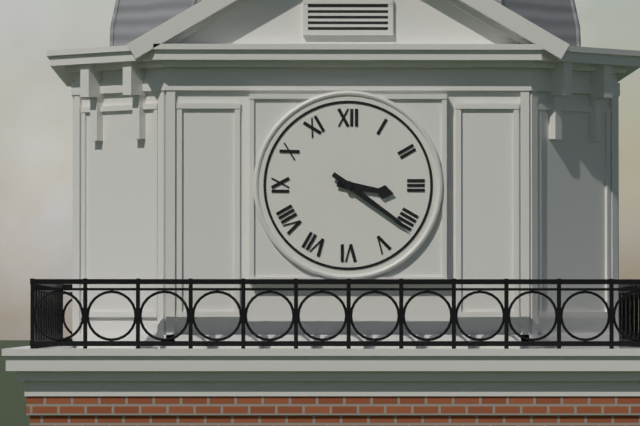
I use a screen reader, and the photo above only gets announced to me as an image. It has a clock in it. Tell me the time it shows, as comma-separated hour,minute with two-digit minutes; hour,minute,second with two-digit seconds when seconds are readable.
3,21
